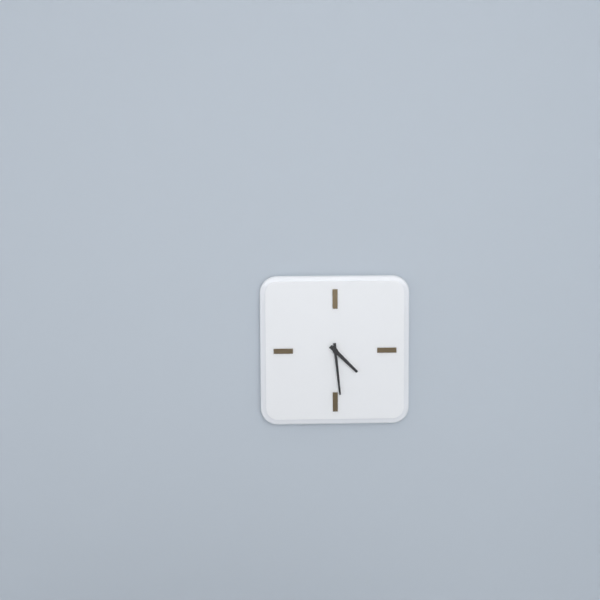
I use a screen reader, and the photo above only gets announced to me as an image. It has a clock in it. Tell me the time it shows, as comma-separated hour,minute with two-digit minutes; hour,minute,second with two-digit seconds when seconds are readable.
4,29
